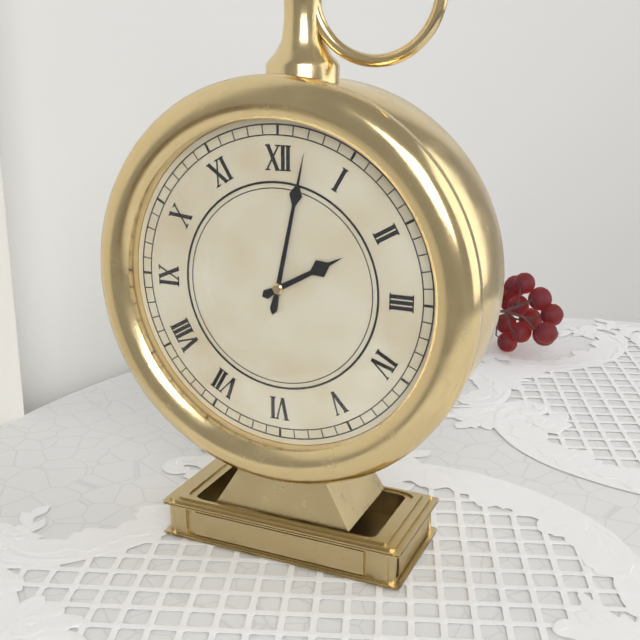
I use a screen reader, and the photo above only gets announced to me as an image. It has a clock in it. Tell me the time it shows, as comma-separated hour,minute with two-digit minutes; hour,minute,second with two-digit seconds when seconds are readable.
2,02
